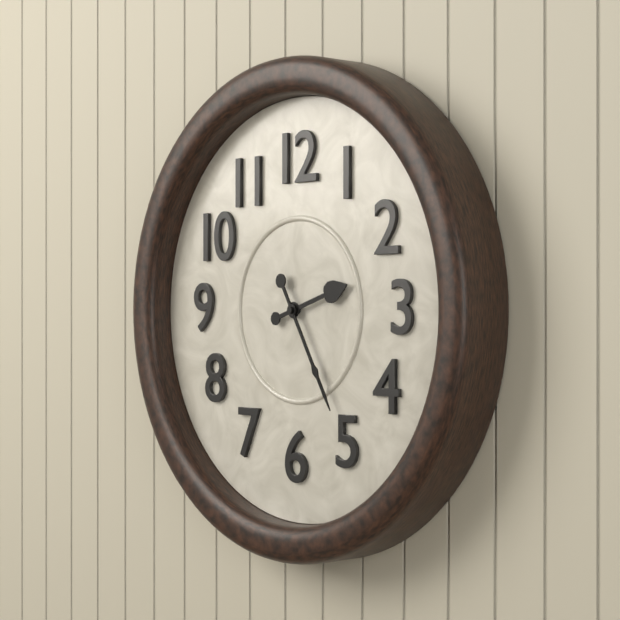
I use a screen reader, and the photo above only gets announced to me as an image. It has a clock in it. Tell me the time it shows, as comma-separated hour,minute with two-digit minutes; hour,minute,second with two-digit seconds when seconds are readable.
2,25
